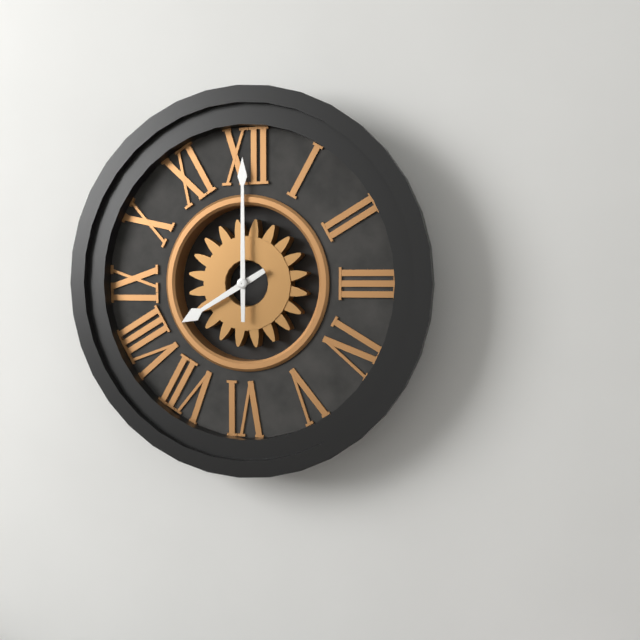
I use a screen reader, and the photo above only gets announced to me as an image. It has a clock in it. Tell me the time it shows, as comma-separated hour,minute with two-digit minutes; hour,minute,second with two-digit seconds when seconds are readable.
8,00
